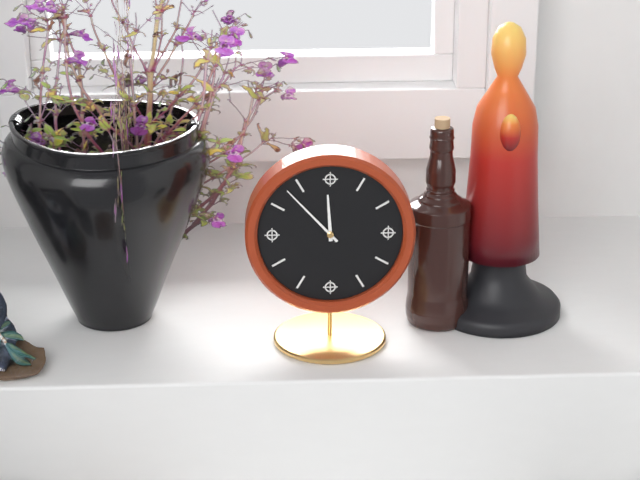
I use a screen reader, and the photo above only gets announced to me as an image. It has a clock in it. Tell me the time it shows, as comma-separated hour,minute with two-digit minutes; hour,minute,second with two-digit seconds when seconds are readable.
11,53
